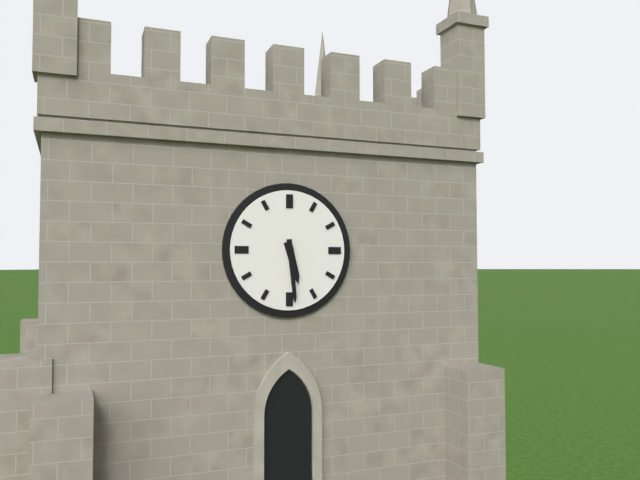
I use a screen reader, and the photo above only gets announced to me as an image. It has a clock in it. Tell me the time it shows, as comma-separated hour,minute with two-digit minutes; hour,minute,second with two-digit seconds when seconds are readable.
5,29
